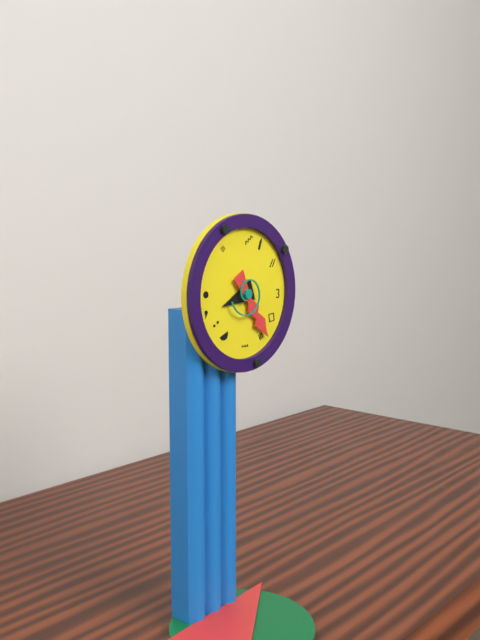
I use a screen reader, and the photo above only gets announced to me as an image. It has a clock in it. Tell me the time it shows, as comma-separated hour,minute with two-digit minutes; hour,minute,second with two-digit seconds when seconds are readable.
8,24
